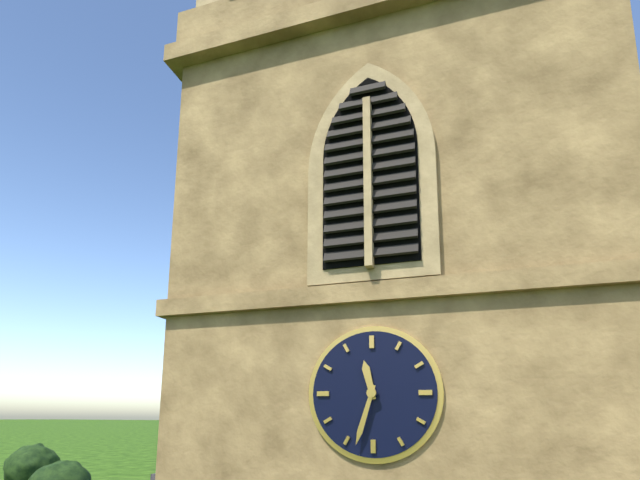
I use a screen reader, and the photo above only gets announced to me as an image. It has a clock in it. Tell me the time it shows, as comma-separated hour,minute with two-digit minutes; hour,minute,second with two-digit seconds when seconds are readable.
11,33
